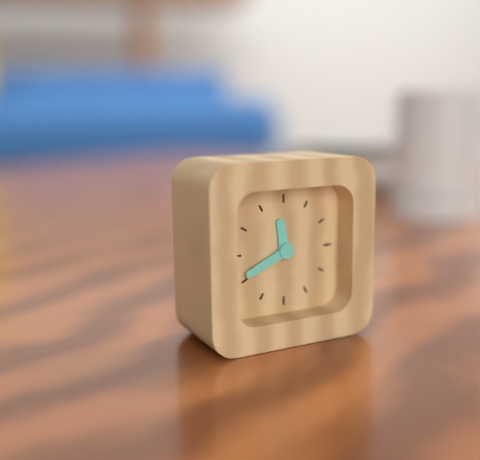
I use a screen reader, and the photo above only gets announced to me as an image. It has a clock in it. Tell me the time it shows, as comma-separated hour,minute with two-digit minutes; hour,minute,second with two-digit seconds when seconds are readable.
11,41
